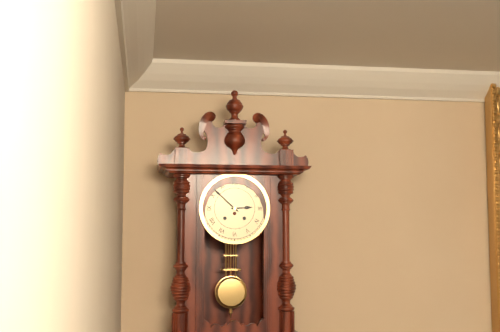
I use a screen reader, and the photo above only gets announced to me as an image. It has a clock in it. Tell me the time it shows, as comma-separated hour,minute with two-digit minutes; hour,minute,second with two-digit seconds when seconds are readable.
2,52
